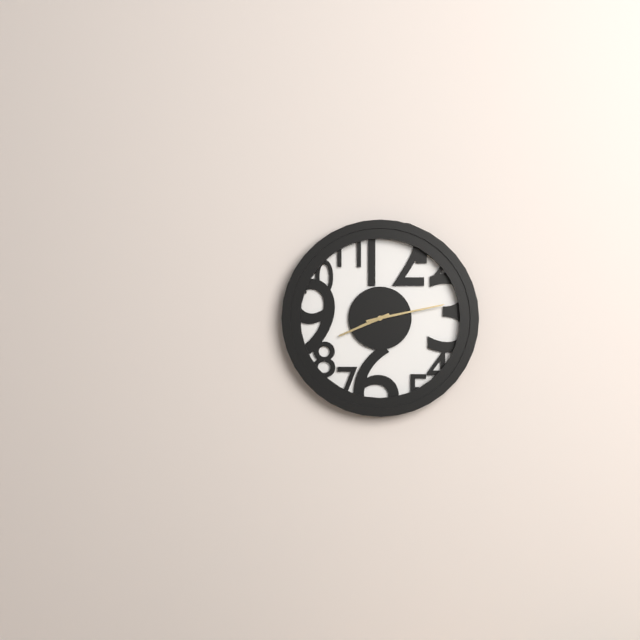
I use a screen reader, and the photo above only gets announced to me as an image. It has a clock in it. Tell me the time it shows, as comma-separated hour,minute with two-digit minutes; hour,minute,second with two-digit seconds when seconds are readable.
8,13
